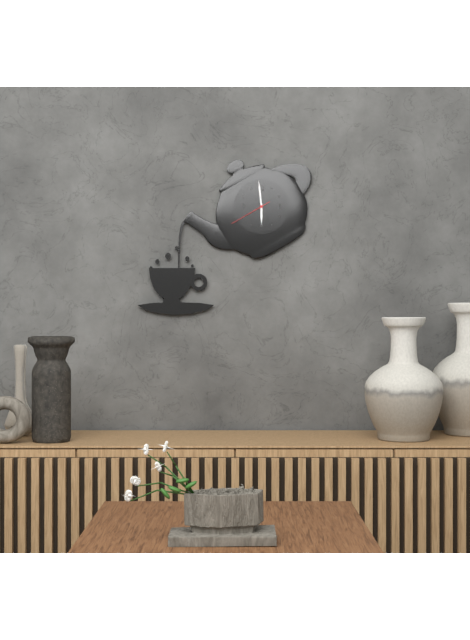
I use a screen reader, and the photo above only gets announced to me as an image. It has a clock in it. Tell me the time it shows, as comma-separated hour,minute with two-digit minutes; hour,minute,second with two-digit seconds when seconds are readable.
5,59
